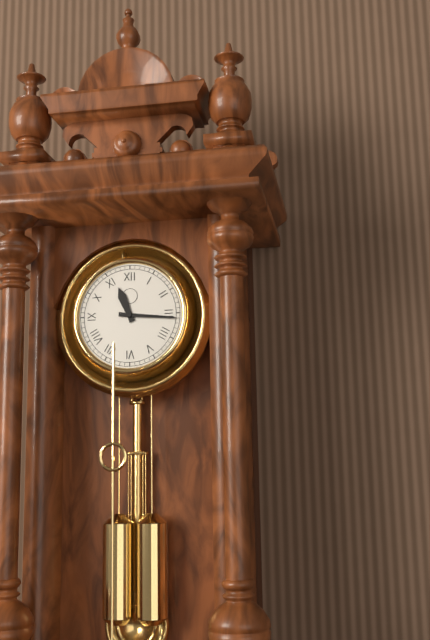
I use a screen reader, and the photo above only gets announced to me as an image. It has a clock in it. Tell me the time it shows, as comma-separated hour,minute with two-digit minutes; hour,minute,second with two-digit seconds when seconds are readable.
11,16
